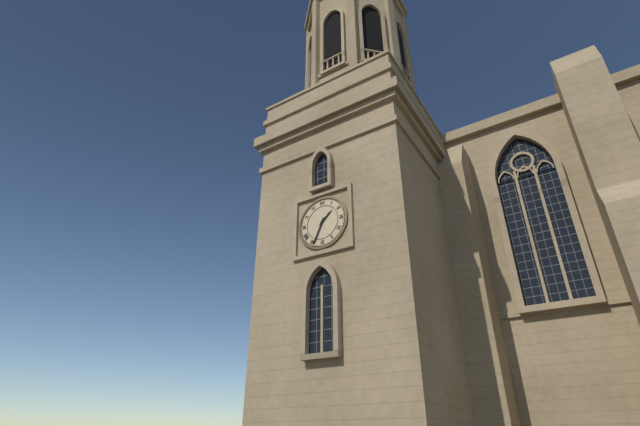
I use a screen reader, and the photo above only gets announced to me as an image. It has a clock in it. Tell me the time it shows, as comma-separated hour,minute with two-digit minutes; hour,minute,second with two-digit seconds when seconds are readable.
1,34
